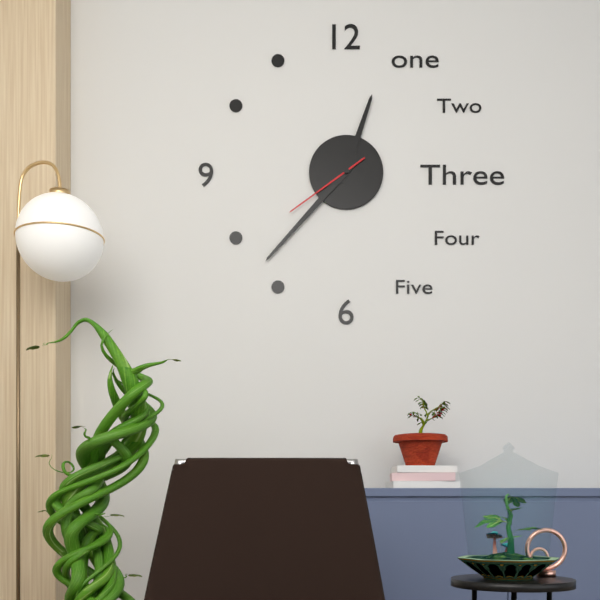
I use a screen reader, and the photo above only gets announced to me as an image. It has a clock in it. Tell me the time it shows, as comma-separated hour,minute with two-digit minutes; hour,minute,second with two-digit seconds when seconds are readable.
12,37,39
